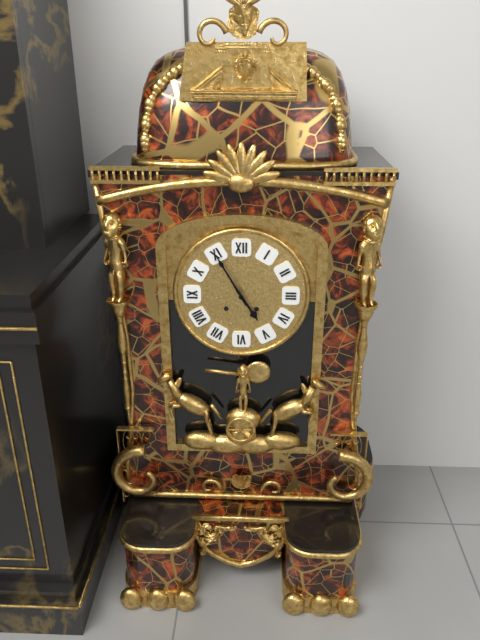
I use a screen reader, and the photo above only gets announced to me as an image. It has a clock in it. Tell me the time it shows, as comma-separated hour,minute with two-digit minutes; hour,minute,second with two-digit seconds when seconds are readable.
4,55
